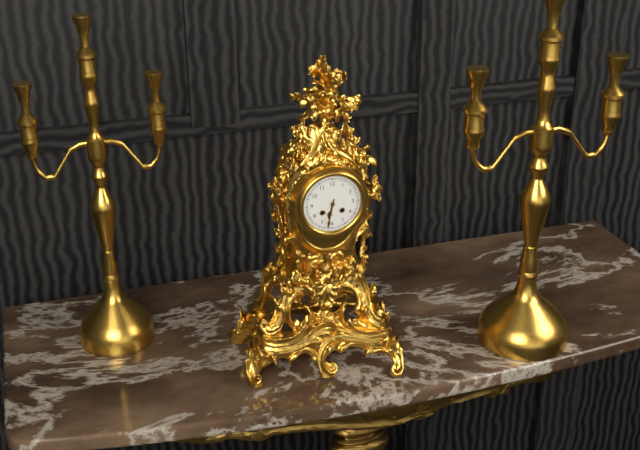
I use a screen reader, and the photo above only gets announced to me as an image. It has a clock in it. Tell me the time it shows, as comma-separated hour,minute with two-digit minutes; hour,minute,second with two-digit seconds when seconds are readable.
6,32
